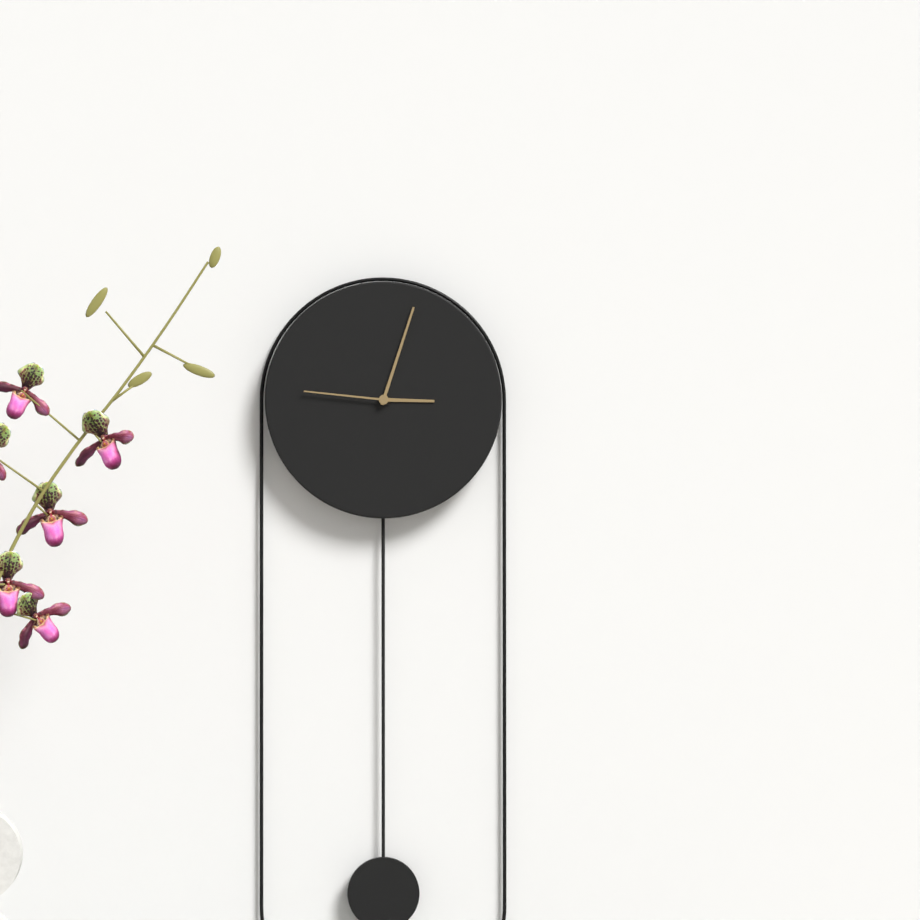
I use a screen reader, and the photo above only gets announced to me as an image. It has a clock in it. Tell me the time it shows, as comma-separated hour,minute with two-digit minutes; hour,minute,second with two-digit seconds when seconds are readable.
3,03,46
